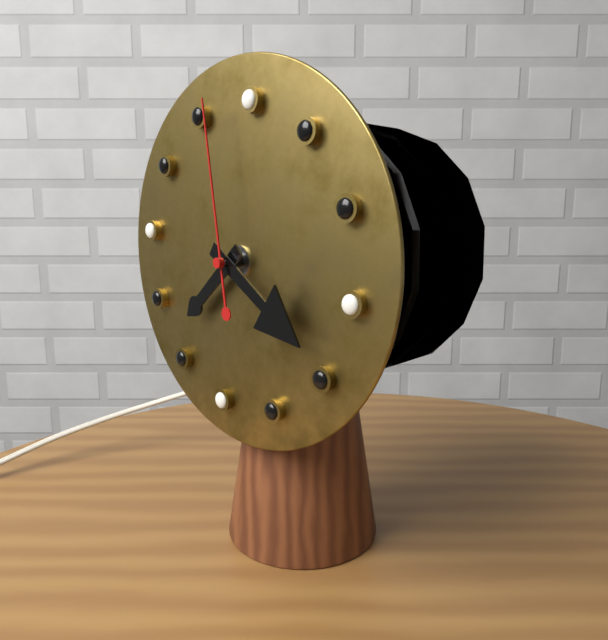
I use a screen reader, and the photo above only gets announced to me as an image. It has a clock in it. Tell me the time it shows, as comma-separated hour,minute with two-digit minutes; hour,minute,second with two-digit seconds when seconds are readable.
7,19,57
